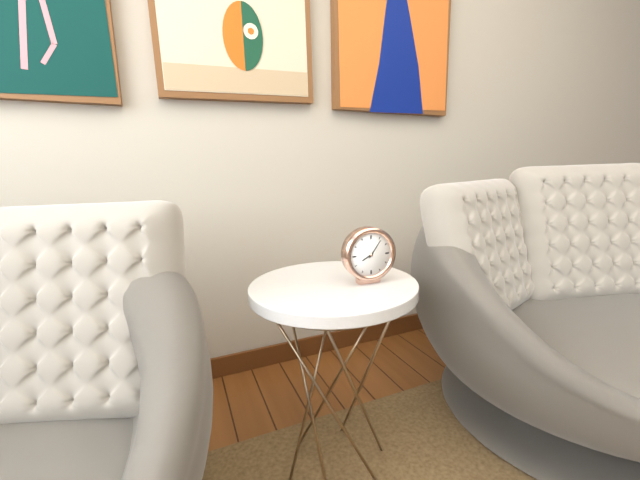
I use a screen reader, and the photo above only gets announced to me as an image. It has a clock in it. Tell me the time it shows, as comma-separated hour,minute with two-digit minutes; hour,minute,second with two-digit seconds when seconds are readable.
8,06
